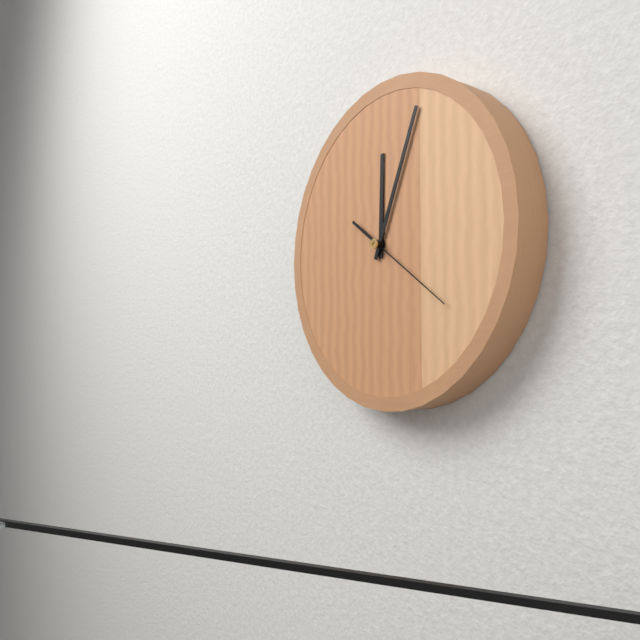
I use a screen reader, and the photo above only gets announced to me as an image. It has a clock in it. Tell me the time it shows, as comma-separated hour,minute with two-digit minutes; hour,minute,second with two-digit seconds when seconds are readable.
12,04,21
